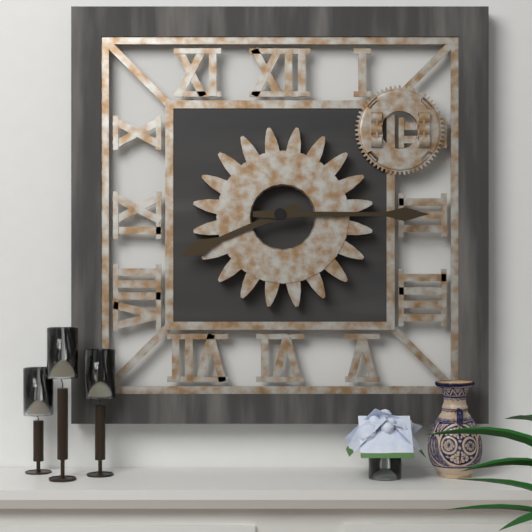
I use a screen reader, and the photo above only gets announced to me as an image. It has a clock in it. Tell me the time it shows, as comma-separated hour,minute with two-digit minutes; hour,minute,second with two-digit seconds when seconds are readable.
8,15
